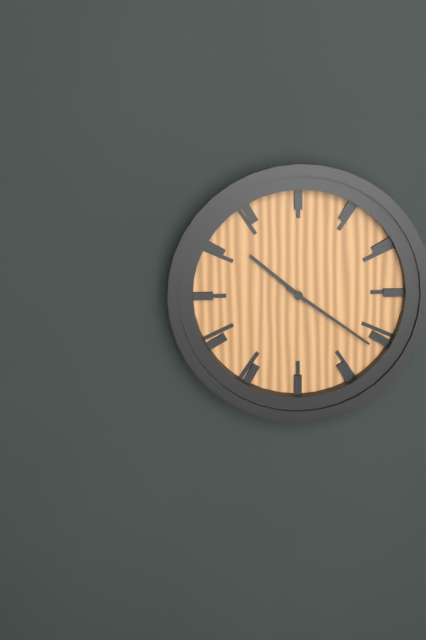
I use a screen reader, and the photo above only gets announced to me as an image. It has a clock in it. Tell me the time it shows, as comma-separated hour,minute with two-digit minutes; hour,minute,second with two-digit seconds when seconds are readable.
10,21
